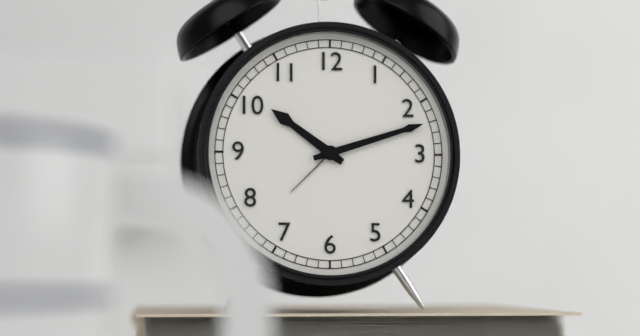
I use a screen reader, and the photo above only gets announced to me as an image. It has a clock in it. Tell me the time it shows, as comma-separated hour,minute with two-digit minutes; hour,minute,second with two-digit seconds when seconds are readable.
10,12
